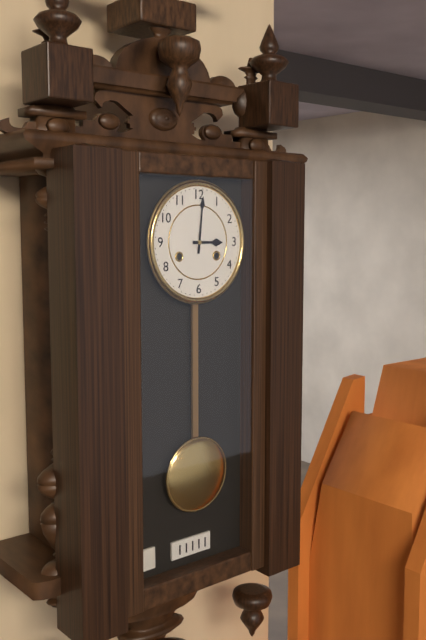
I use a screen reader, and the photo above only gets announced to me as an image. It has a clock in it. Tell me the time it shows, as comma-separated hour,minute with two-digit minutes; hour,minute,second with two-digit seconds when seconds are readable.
3,01
